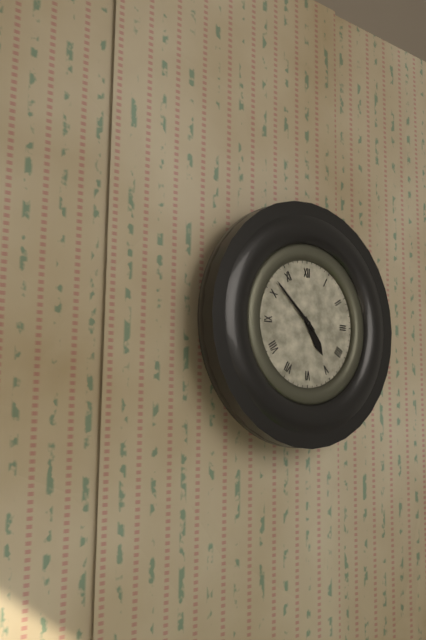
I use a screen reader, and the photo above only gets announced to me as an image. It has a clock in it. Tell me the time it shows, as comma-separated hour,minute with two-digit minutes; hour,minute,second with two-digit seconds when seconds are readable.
4,52
